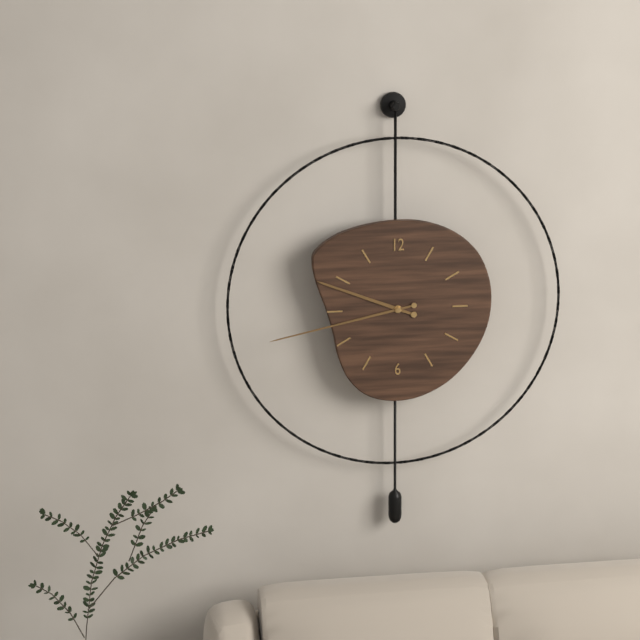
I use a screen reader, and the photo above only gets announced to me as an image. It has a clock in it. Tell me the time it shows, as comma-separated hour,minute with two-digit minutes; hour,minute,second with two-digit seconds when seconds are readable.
9,43
